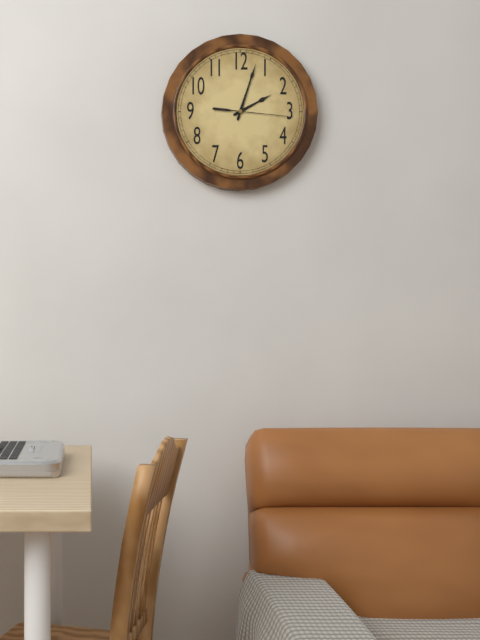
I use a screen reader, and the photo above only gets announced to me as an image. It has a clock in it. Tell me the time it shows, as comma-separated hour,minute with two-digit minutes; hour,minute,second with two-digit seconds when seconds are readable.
2,03,16
